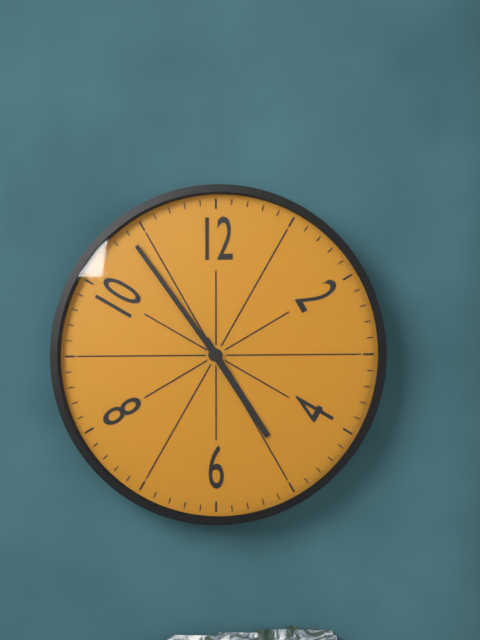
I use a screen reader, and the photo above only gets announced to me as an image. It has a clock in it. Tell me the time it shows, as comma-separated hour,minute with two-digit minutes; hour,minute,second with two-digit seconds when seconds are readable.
4,54
